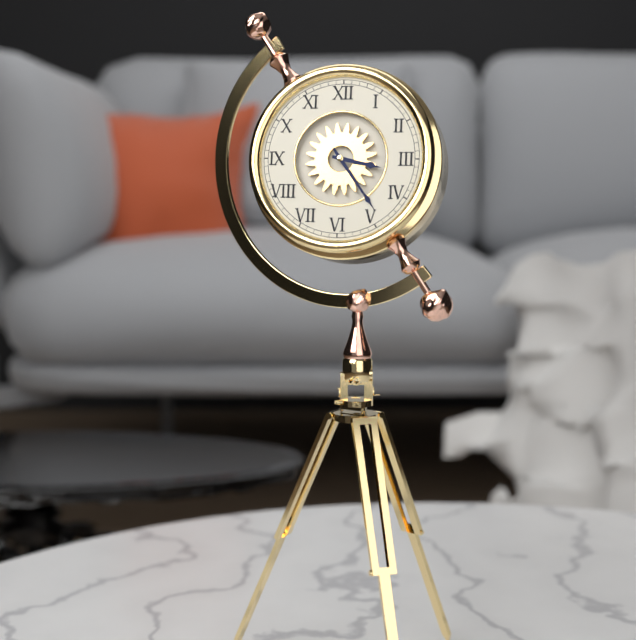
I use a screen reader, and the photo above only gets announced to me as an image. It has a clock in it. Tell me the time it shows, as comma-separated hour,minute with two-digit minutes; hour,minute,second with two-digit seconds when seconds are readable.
3,24
